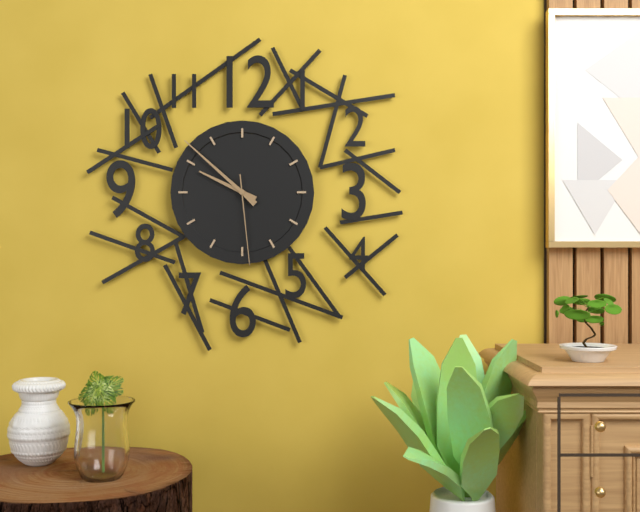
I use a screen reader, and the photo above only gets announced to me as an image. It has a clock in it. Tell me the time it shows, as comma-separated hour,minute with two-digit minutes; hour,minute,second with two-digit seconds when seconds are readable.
9,52,29
